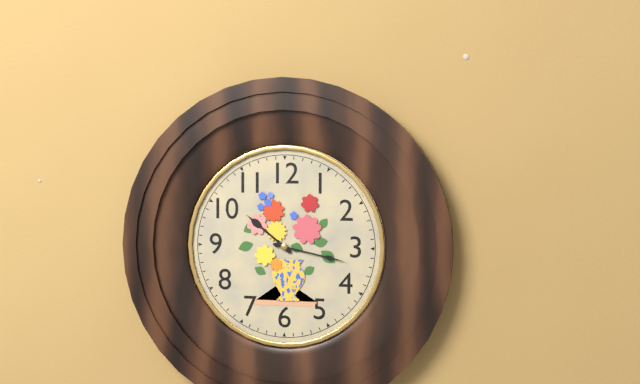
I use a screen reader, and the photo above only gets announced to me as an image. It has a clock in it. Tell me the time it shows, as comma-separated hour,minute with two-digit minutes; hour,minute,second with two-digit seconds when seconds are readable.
10,17
